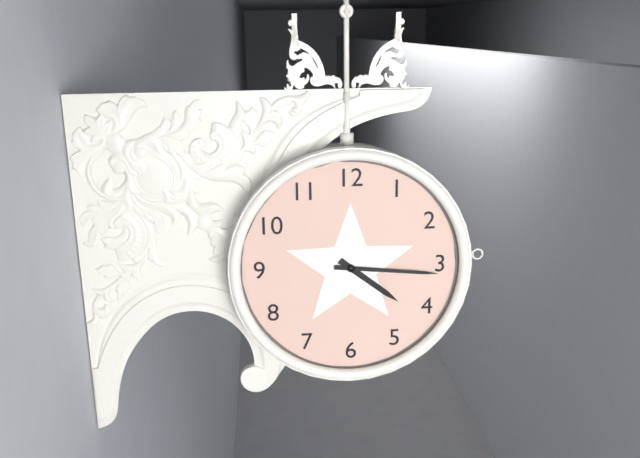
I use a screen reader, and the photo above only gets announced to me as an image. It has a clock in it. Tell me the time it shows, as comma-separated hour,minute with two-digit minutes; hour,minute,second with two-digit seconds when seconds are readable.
4,16
